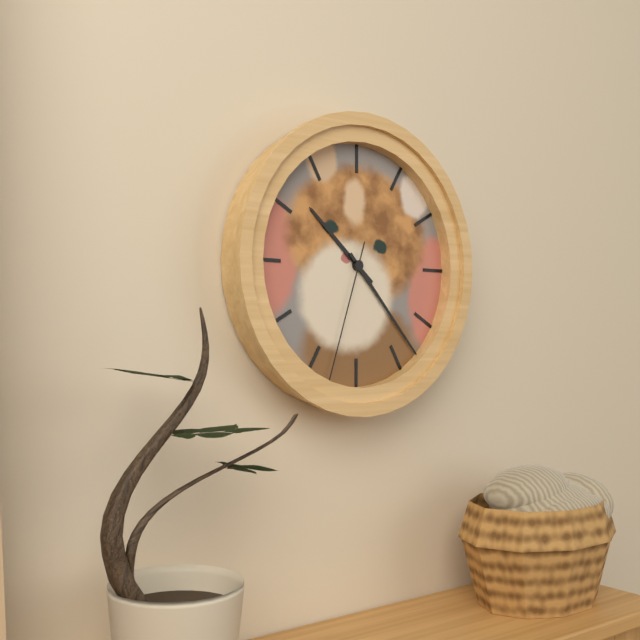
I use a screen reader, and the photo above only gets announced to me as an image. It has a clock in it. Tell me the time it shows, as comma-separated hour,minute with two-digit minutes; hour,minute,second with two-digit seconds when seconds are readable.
10,23,33
